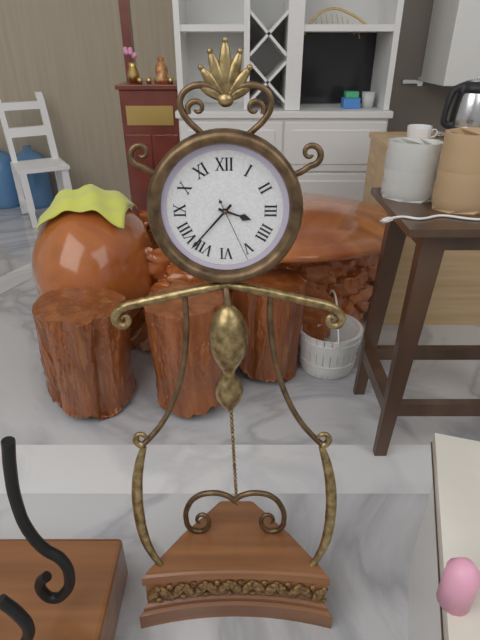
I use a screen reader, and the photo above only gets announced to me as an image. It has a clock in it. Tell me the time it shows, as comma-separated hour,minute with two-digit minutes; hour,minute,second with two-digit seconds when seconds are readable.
3,37,26
